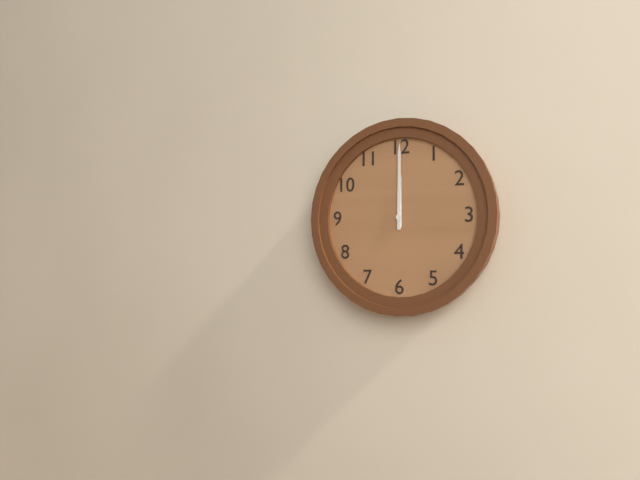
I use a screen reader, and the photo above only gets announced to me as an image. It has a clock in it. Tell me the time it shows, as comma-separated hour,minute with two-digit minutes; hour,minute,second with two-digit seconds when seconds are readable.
12,00
